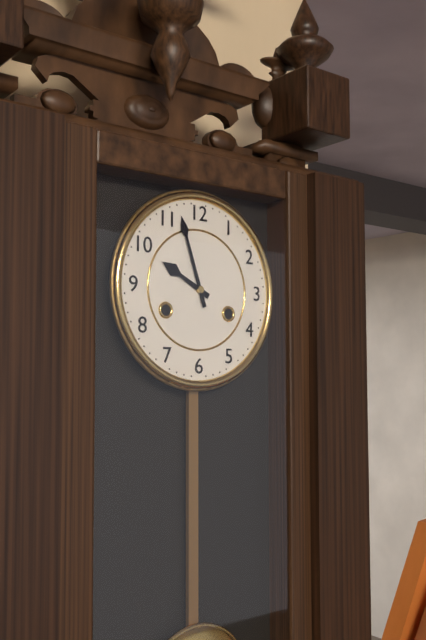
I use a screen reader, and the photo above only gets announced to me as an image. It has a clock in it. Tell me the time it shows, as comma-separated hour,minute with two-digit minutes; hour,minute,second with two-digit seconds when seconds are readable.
9,57
